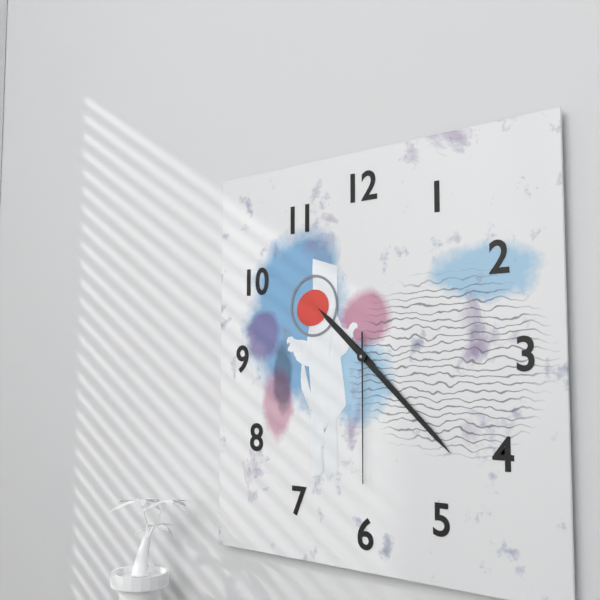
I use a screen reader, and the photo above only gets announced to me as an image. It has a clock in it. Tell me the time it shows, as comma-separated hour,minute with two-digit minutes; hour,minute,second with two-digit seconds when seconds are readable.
10,22,30
